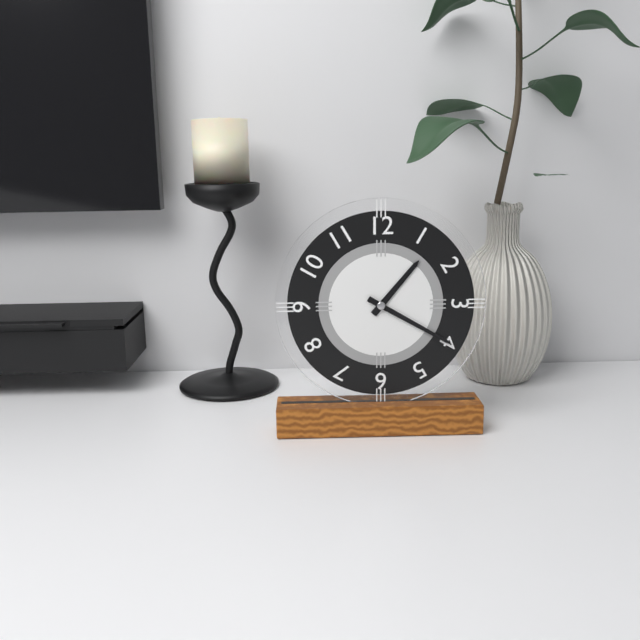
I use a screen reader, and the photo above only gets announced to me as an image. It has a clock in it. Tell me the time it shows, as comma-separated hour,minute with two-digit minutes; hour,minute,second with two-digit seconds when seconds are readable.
1,20
